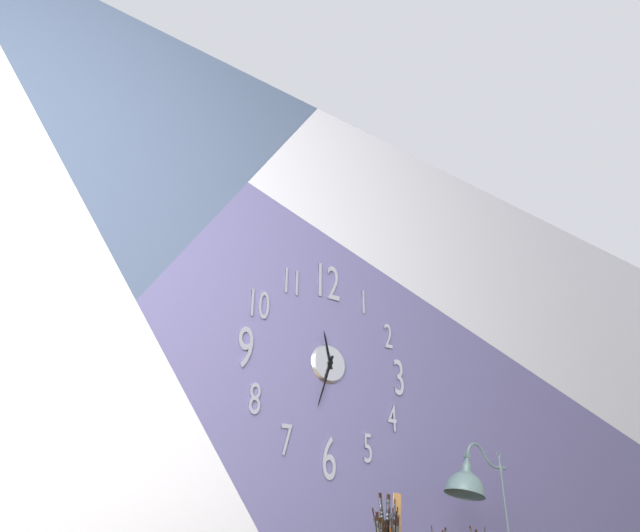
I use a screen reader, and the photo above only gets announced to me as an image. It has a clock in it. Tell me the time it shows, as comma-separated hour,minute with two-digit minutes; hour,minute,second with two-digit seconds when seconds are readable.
11,33
